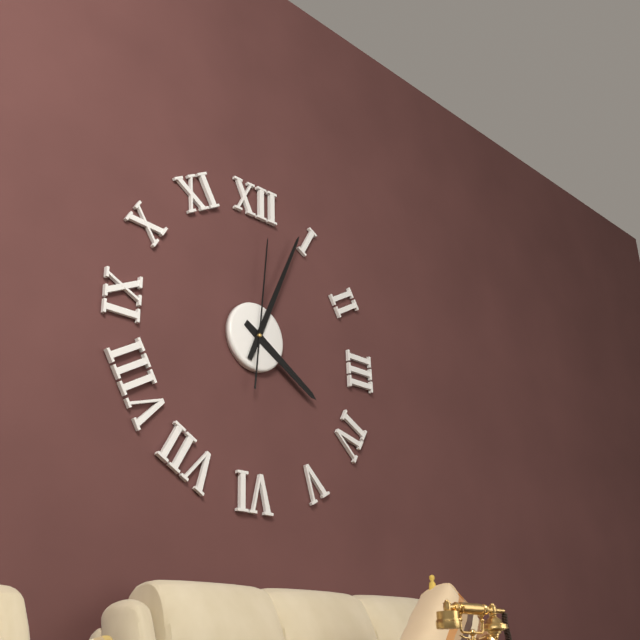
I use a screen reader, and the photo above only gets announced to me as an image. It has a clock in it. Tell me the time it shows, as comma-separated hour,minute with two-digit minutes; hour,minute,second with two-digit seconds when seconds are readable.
4,04,01
